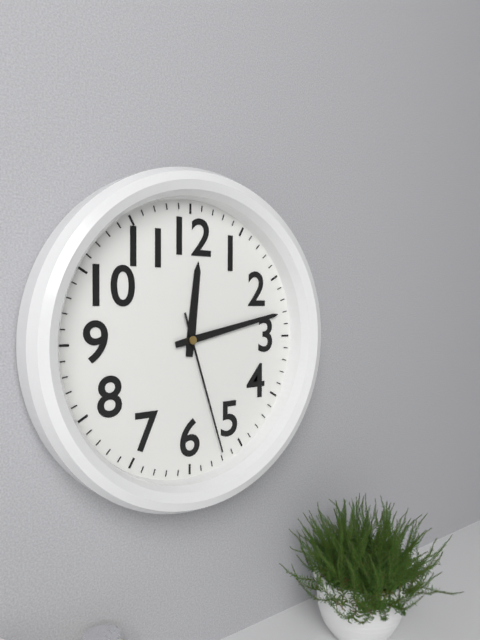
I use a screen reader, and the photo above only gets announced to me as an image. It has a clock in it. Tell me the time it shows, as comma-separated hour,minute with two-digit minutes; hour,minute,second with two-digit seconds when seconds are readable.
12,13,27
